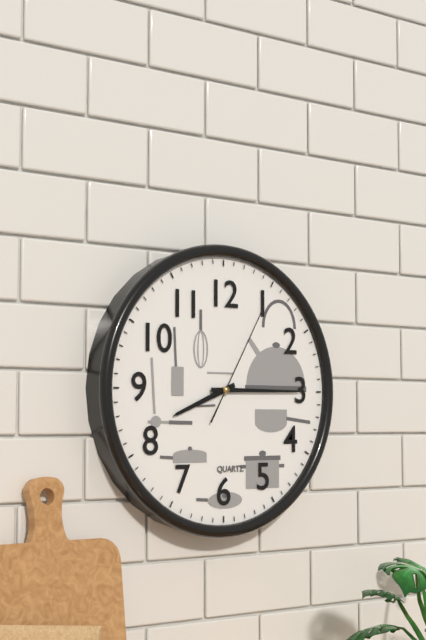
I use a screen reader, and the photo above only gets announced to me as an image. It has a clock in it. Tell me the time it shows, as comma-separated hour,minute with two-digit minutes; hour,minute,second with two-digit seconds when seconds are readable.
8,15,05
